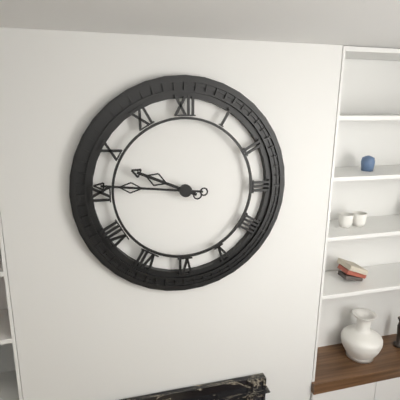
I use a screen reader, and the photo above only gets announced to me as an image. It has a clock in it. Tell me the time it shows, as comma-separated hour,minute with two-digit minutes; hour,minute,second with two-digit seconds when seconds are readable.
9,46
